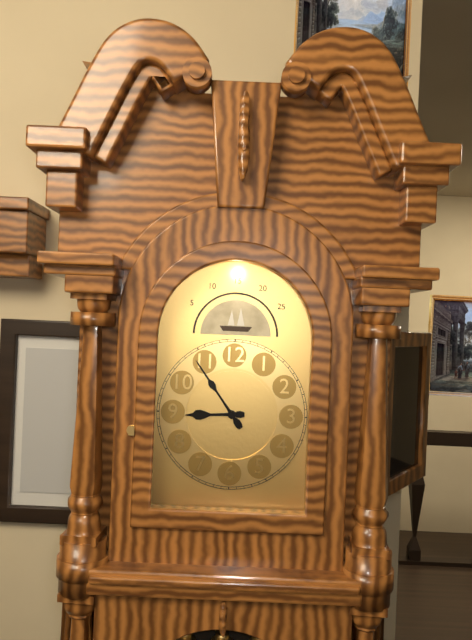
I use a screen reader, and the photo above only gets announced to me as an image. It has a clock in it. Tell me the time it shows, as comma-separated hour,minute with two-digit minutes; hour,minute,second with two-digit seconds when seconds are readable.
8,54
